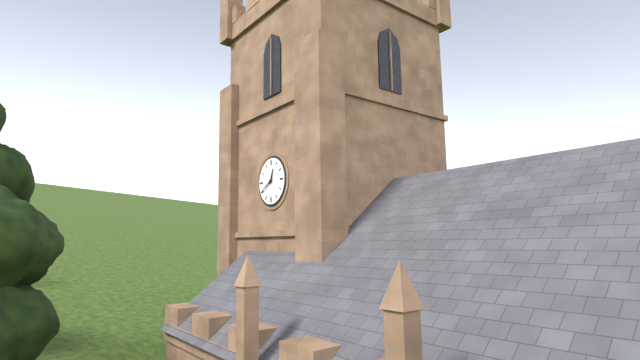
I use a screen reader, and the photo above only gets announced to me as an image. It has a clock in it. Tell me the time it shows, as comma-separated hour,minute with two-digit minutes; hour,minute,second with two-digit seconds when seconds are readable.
12,40
